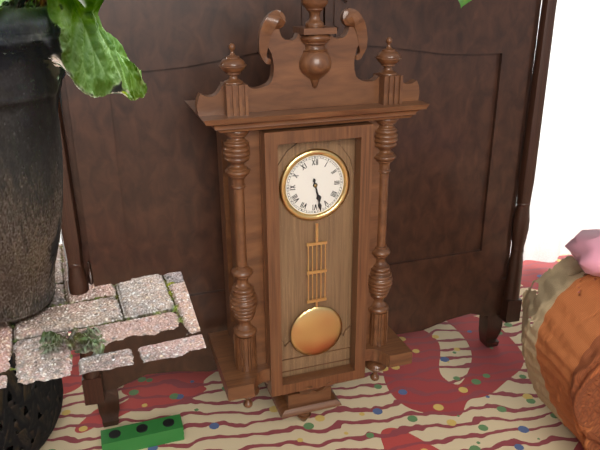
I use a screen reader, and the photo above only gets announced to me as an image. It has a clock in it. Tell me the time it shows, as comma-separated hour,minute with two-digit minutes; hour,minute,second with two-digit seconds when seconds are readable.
5,28
